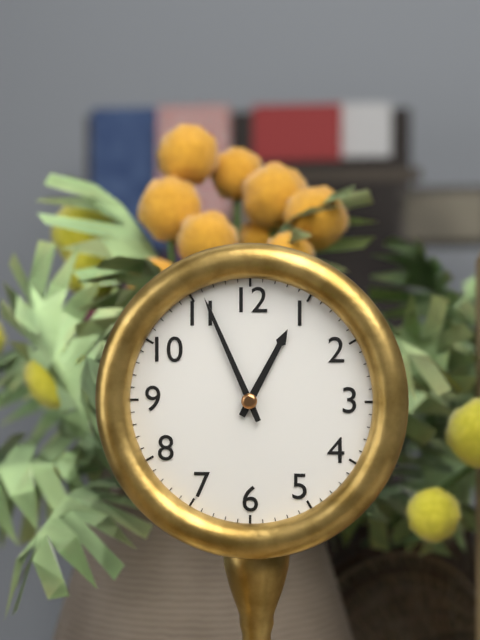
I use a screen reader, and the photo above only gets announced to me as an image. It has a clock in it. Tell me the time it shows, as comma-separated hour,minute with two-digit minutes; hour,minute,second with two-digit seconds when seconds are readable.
12,56
